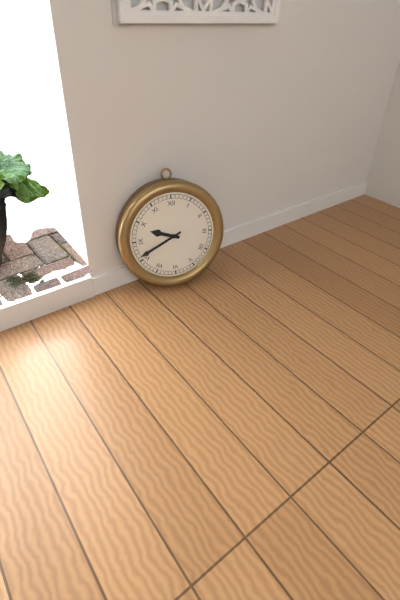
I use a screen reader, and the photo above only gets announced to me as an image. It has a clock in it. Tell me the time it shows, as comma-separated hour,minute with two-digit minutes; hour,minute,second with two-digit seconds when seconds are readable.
9,41
